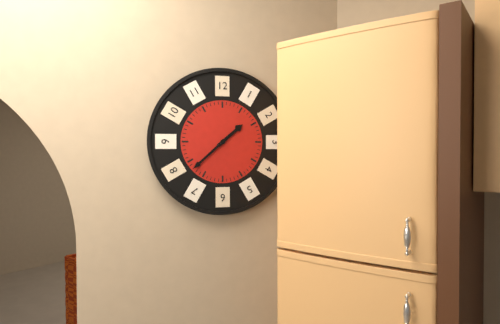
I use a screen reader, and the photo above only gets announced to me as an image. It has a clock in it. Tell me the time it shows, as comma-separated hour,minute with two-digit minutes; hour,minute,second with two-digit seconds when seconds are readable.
1,38
